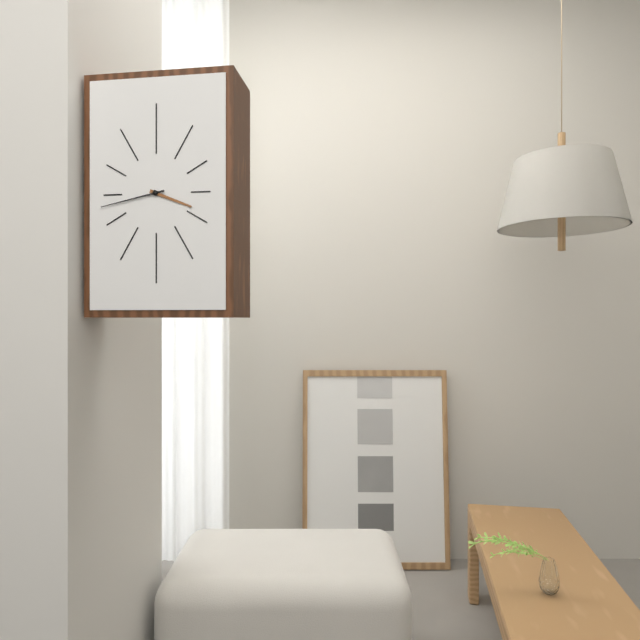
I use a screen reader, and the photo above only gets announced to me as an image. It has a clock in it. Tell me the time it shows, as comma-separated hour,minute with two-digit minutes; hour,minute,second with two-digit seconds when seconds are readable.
3,43
